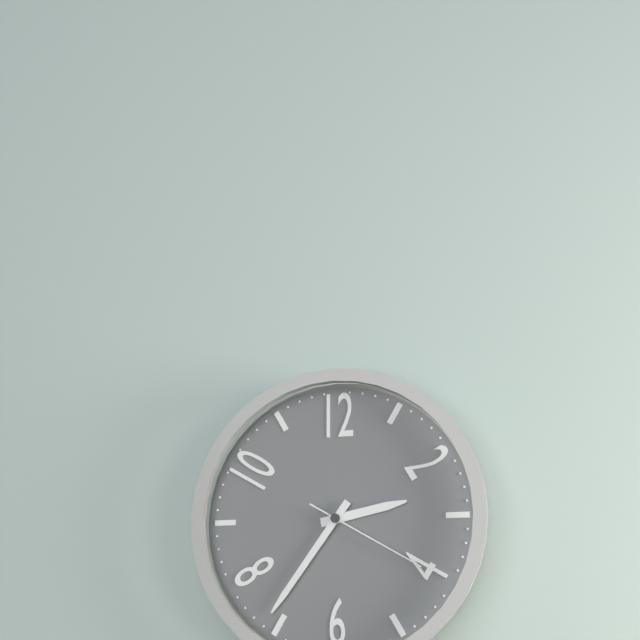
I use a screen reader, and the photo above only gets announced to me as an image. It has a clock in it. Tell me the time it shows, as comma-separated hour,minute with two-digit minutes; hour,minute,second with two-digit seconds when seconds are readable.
2,36,20
